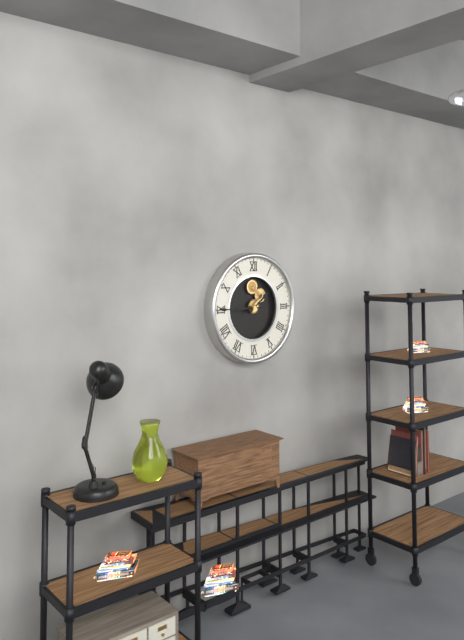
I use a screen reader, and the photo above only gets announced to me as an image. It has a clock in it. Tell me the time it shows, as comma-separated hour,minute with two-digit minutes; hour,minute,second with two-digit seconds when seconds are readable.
1,45
